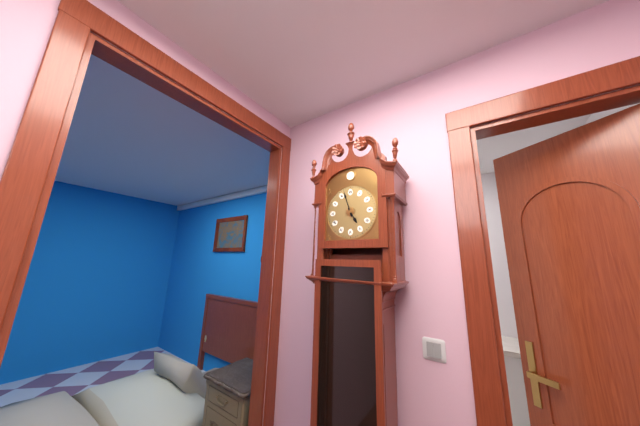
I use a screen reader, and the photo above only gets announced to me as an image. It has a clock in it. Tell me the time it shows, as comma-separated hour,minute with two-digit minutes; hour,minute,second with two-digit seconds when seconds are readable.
4,57
